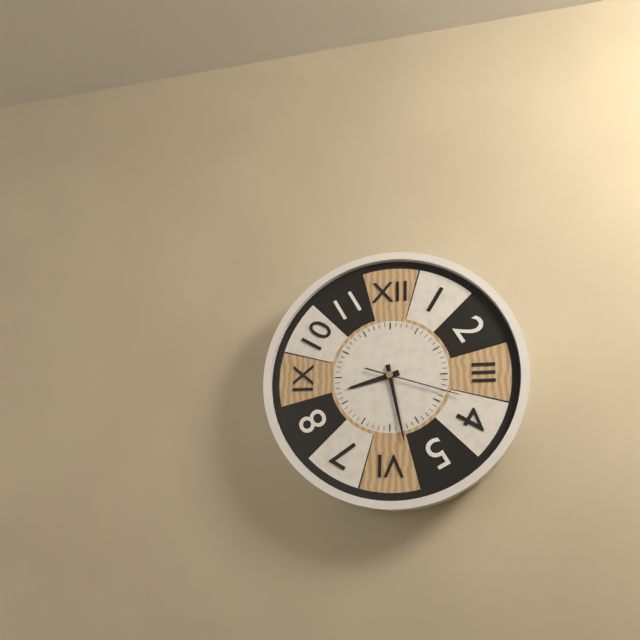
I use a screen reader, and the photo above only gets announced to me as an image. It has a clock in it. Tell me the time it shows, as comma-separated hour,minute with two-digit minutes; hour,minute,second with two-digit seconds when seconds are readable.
8,28,18
